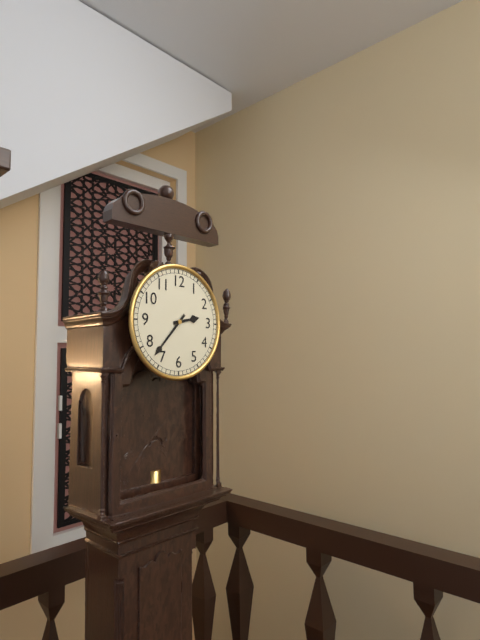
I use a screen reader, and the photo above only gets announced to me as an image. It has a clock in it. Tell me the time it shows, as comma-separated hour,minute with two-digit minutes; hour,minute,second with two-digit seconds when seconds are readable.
2,37
